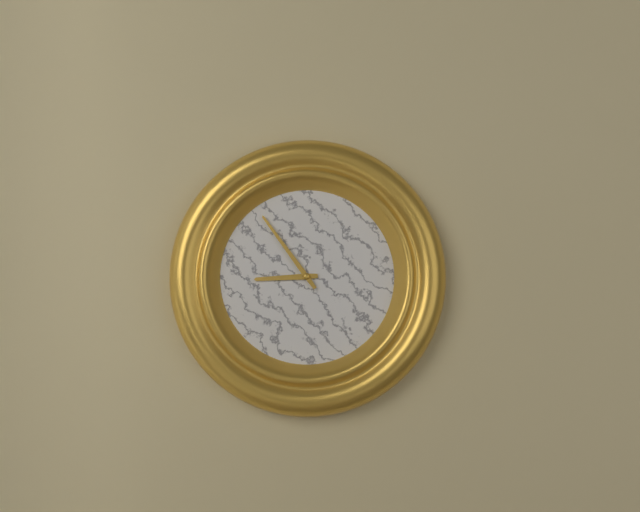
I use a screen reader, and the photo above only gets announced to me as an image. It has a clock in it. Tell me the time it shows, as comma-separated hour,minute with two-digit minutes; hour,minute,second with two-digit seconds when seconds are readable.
8,54
